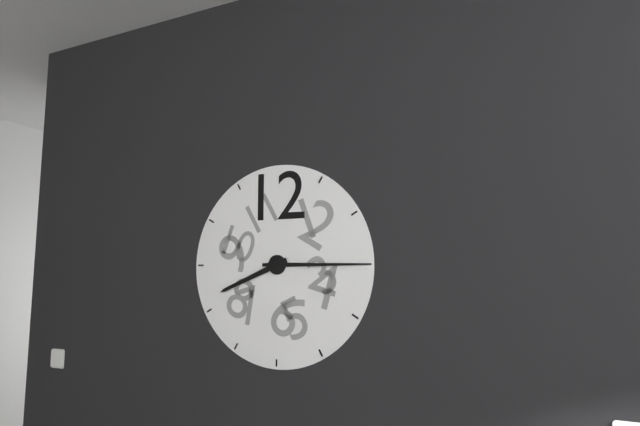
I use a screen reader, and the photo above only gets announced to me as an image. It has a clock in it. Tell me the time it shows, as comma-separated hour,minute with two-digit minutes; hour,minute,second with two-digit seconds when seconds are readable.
8,15
